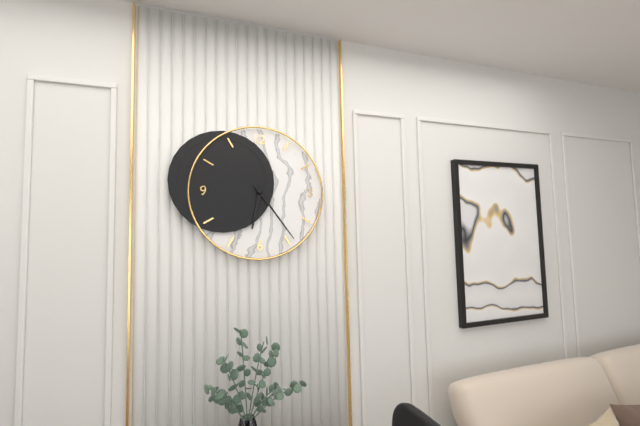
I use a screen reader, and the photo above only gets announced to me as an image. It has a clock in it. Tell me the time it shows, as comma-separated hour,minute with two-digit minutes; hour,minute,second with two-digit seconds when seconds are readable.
6,24
